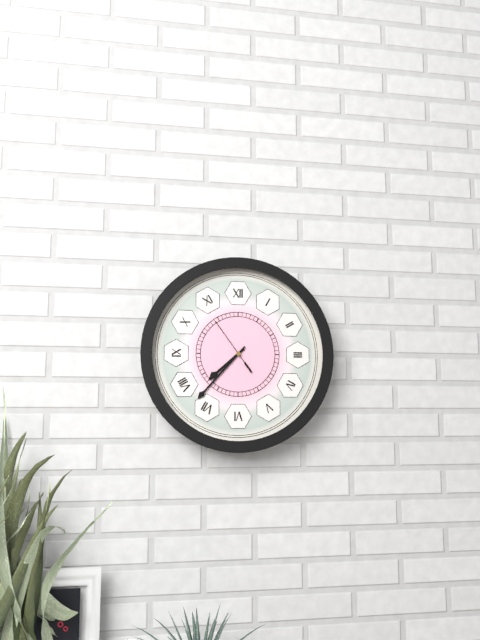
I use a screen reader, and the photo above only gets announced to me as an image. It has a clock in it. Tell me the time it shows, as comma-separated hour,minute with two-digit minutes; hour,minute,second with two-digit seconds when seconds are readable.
7,37
